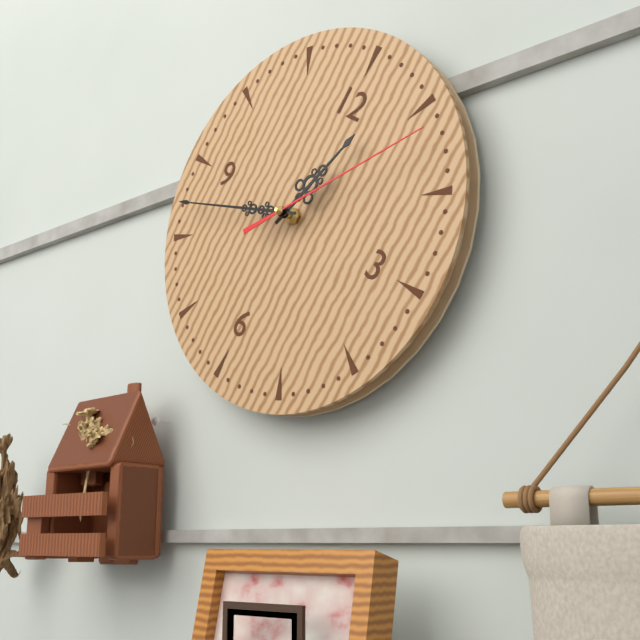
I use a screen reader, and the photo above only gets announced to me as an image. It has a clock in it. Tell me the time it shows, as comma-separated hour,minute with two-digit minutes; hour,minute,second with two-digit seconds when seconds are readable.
12,42,07
